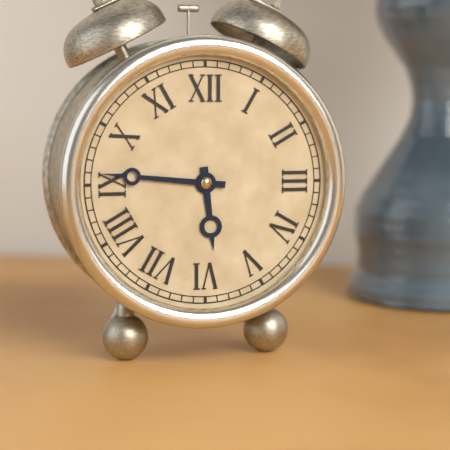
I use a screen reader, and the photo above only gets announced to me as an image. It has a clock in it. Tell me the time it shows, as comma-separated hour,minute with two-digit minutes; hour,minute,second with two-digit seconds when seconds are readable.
5,46
